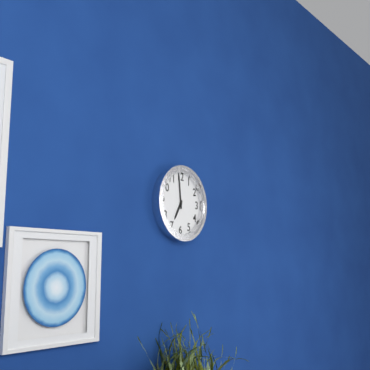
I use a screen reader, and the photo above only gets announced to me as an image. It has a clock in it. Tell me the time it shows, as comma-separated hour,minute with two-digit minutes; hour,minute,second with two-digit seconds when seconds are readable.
6,59
